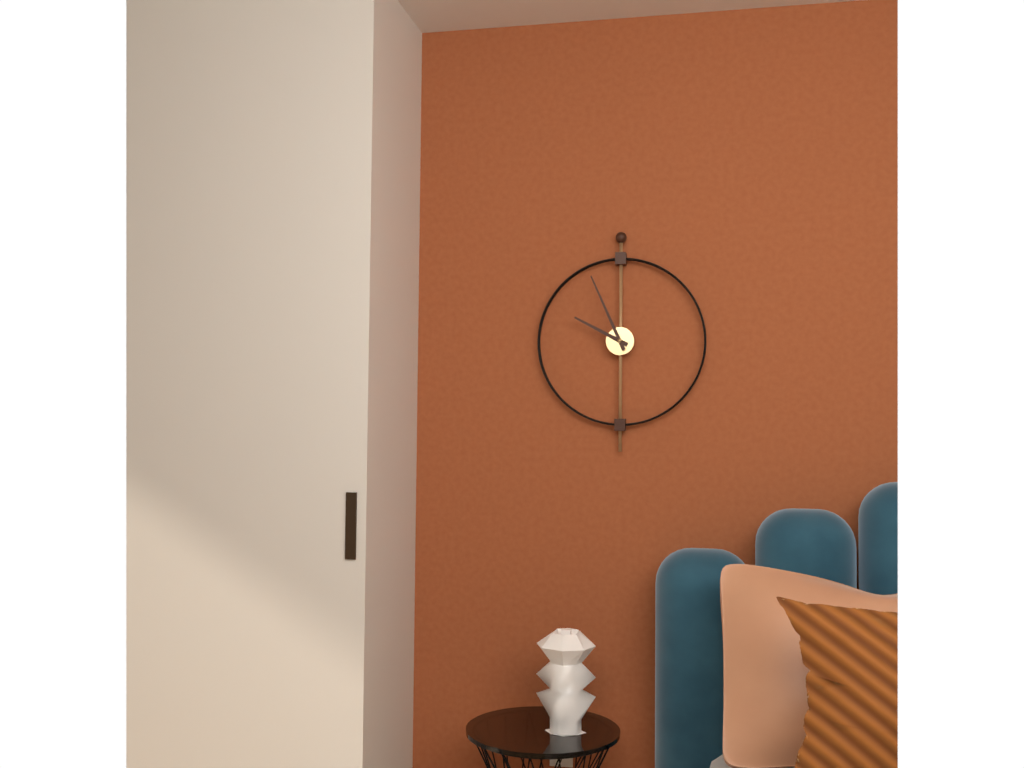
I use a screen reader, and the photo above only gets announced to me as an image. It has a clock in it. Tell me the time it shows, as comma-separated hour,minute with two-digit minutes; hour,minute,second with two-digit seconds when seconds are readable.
9,56
